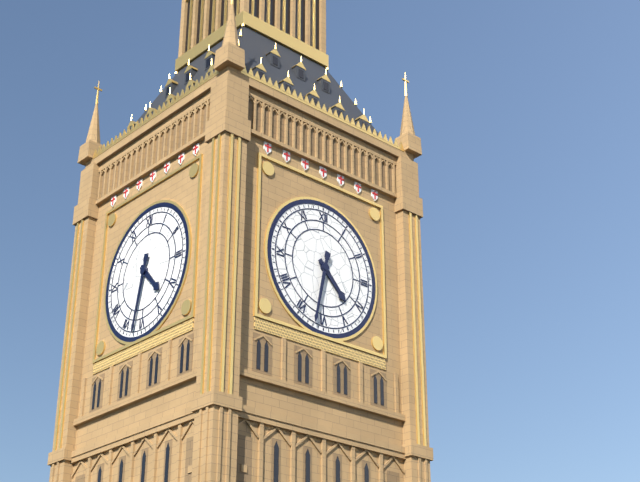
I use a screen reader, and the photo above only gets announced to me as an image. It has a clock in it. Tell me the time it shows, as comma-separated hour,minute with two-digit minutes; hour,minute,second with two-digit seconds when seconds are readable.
4,32
